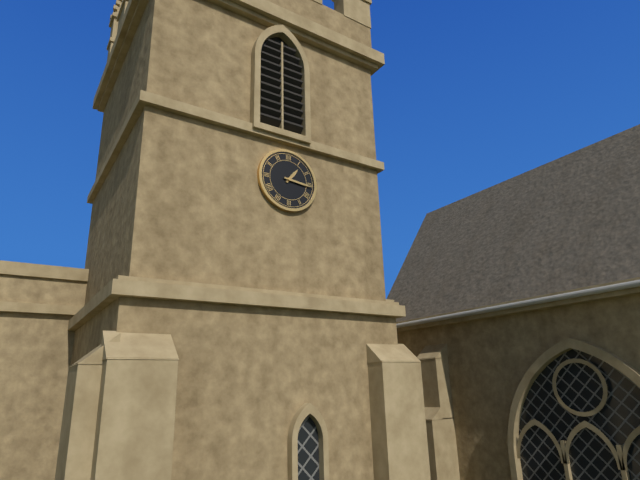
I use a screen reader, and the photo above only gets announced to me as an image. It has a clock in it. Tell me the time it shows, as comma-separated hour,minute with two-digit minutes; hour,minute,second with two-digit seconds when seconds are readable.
1,16
